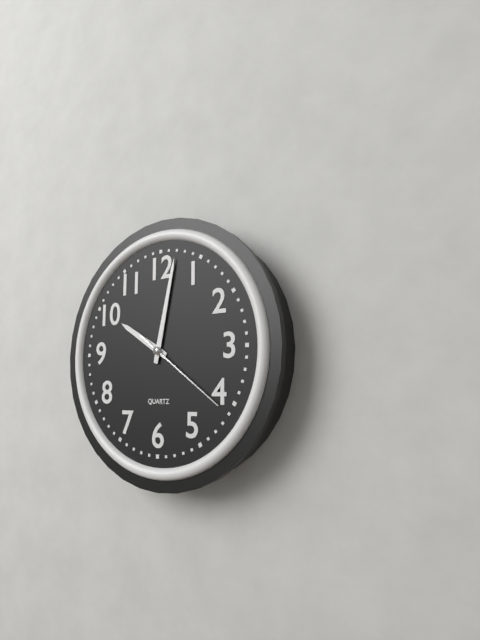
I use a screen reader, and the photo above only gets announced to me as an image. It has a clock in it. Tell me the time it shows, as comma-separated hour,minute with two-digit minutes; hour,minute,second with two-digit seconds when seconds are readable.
10,02,21
